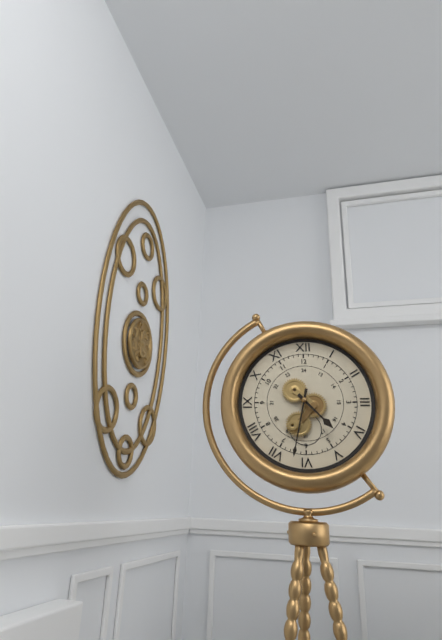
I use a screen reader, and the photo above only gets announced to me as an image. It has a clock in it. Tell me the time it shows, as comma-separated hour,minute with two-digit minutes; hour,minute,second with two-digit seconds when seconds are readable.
4,32
